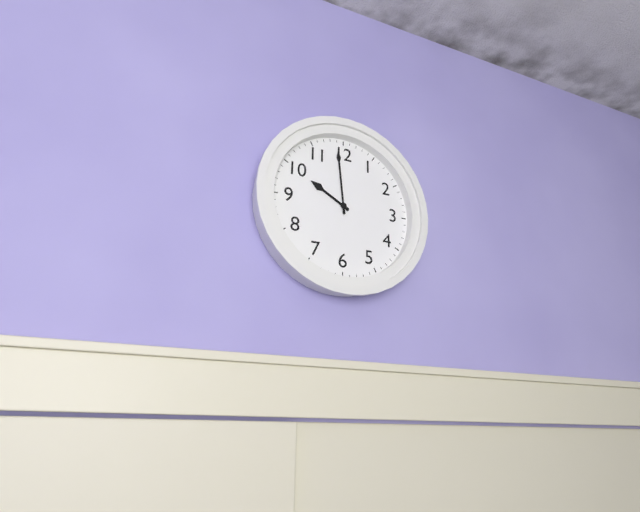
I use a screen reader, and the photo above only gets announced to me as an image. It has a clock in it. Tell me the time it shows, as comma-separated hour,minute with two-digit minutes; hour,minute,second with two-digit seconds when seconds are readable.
9,59
